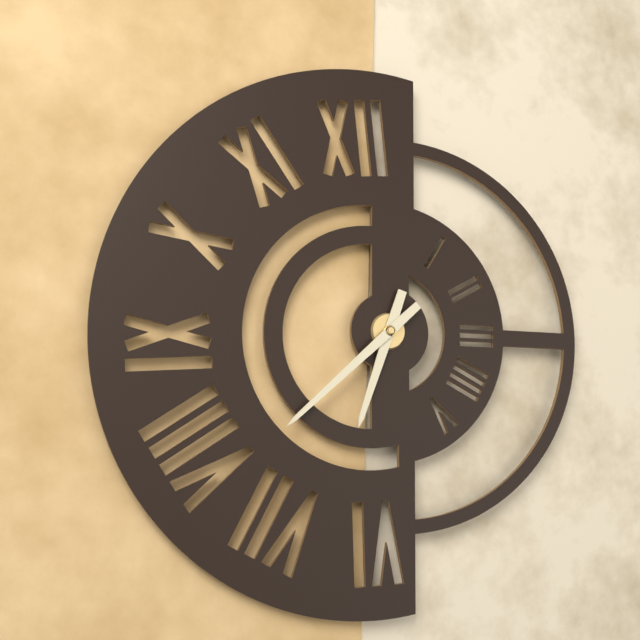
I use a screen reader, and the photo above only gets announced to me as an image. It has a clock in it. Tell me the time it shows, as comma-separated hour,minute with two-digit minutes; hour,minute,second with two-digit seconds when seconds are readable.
6,38
